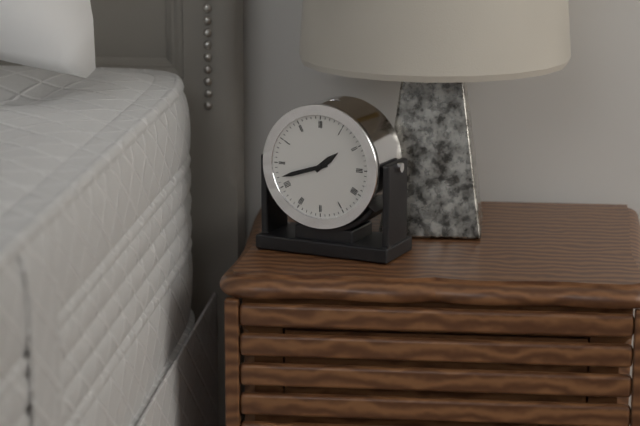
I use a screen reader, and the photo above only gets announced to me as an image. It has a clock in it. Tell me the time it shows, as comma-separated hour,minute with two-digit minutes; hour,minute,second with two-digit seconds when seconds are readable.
1,42
